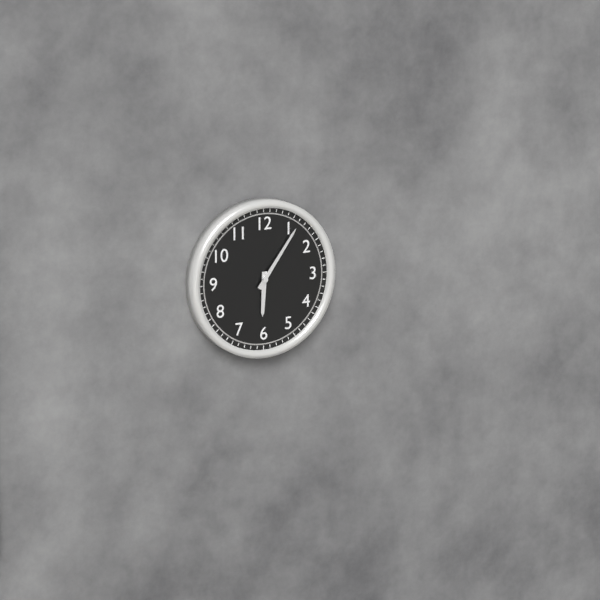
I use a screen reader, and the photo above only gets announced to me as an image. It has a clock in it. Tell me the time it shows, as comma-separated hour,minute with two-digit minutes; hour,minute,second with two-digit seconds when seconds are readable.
6,06
